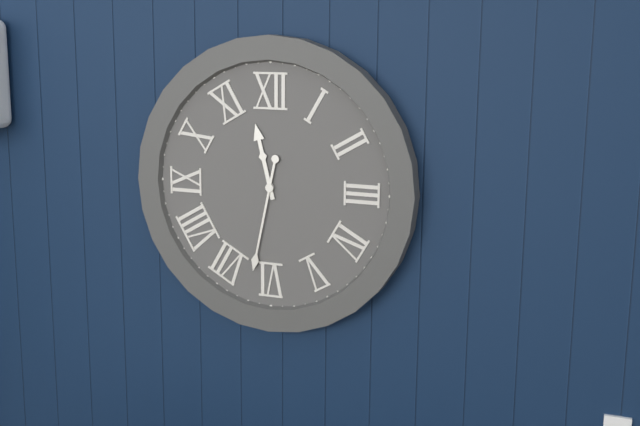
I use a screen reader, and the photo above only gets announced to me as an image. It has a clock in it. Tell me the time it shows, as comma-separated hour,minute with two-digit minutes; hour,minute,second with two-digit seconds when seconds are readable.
11,32
